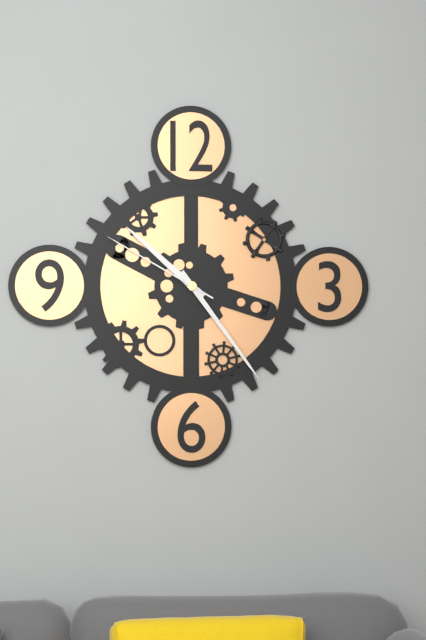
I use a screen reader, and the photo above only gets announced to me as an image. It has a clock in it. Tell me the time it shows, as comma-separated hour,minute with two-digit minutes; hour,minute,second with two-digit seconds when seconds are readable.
10,24,50
